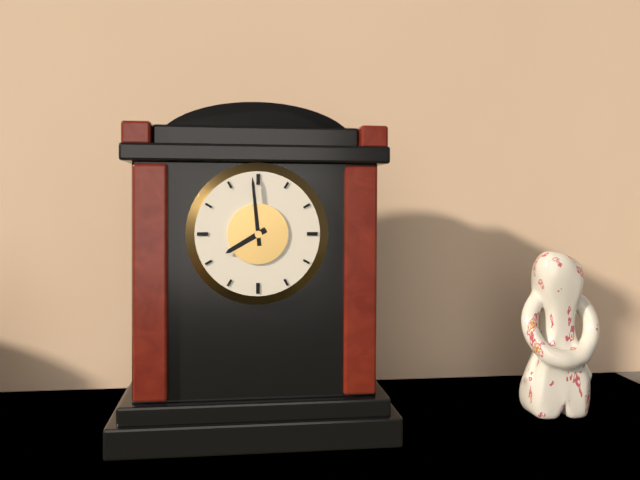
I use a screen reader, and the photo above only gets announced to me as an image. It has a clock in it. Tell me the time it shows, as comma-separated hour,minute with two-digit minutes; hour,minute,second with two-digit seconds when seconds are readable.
7,59
